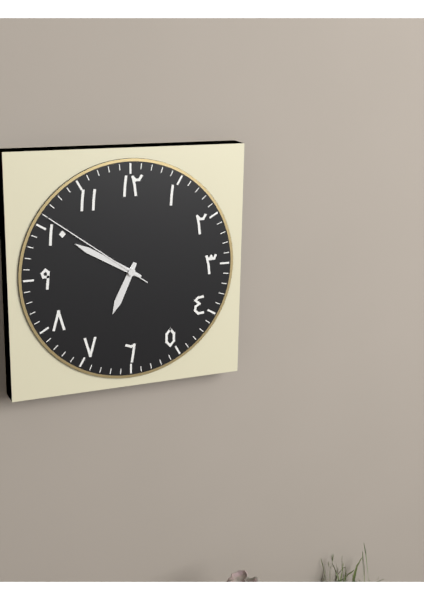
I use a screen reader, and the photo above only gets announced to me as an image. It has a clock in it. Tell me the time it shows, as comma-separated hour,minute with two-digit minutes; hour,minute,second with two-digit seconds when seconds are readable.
6,50,51
